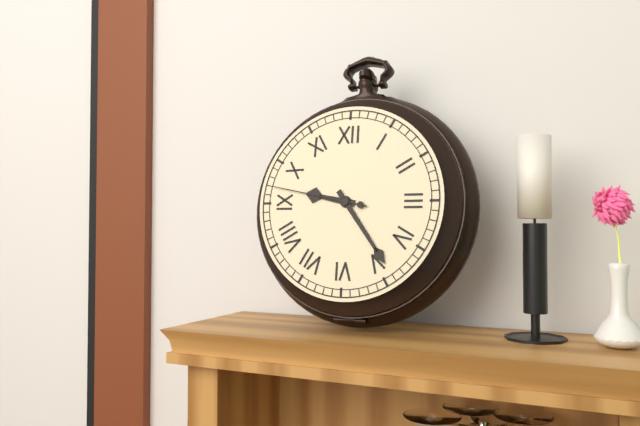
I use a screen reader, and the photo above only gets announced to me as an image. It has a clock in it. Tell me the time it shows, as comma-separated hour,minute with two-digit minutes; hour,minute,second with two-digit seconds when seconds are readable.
9,24,47
